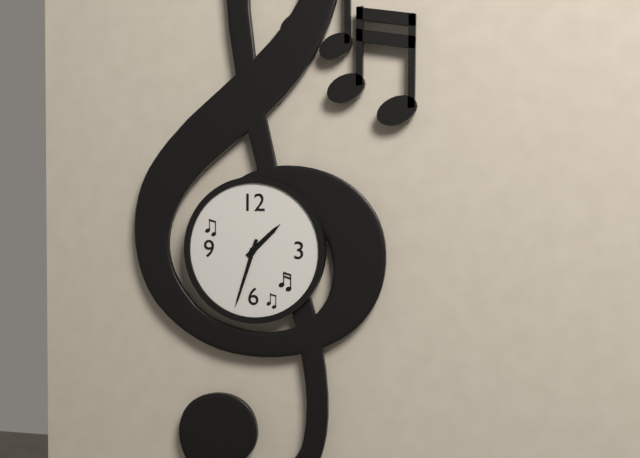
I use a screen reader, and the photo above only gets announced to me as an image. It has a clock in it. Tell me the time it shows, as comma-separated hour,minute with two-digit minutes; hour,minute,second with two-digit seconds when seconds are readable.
1,33
